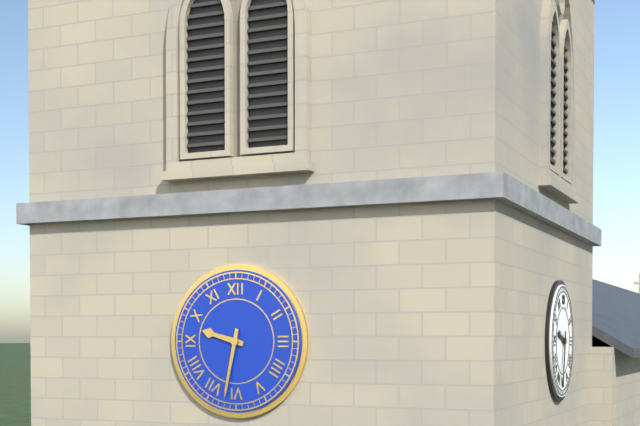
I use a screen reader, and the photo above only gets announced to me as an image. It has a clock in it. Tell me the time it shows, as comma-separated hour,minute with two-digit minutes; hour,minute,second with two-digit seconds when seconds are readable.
9,32
